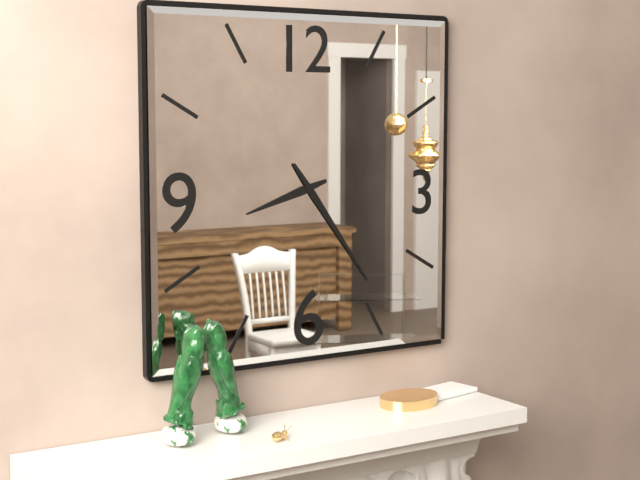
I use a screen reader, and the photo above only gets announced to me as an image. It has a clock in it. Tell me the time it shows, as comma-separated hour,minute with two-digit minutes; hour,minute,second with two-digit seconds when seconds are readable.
8,24
